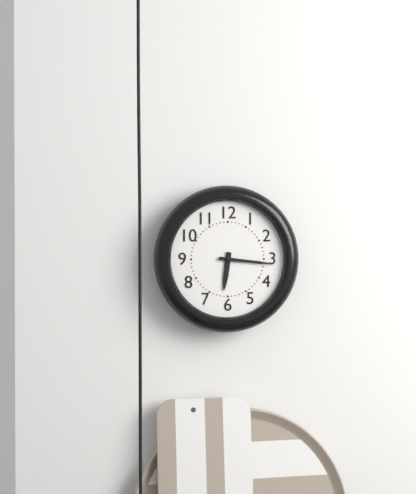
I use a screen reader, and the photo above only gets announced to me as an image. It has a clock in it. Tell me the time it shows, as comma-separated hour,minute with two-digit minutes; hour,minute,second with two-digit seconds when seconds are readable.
6,16
